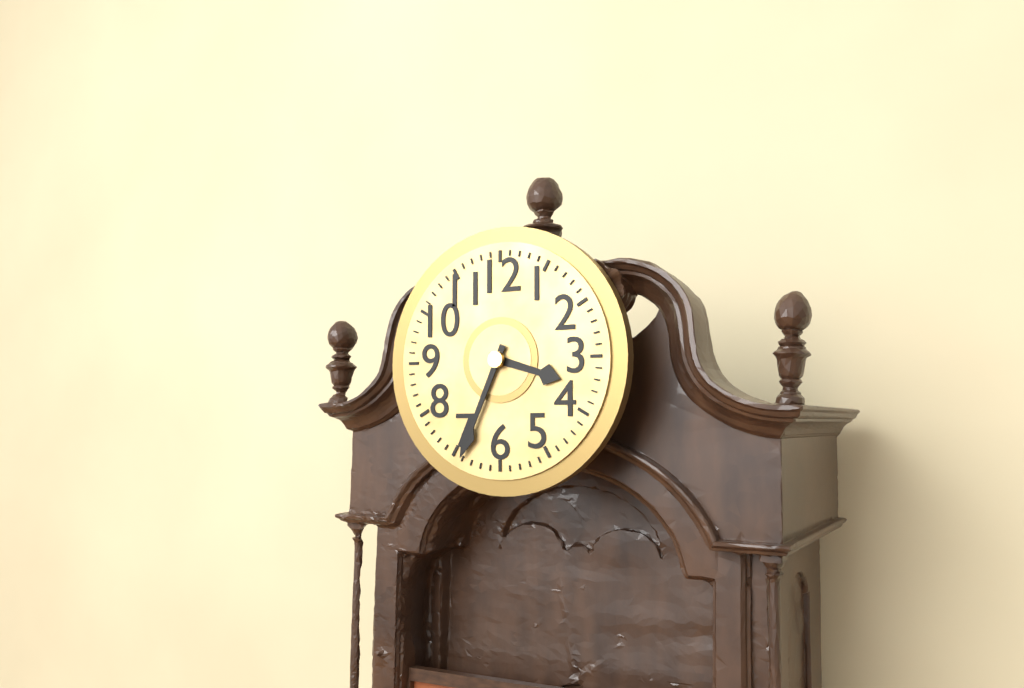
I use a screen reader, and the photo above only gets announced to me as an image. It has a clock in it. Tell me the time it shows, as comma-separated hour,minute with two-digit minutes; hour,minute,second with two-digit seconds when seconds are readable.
3,34
